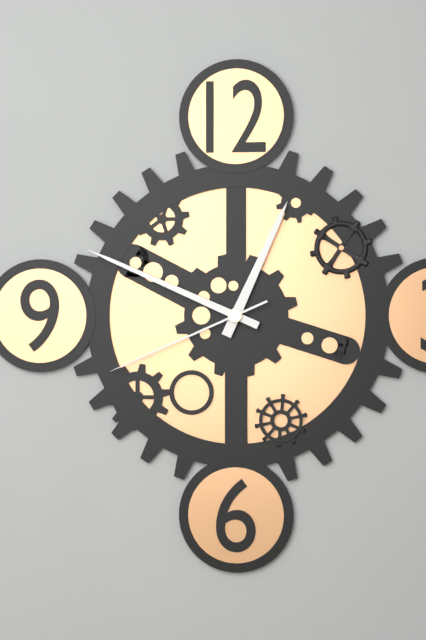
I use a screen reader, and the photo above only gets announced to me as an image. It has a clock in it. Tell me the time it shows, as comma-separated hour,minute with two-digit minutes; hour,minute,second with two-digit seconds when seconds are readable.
12,49,41
